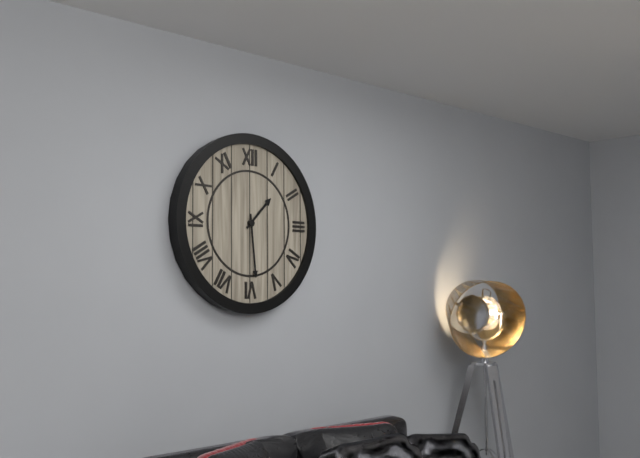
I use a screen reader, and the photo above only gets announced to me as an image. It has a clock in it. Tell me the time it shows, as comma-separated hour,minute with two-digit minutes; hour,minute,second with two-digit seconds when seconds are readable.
1,29
